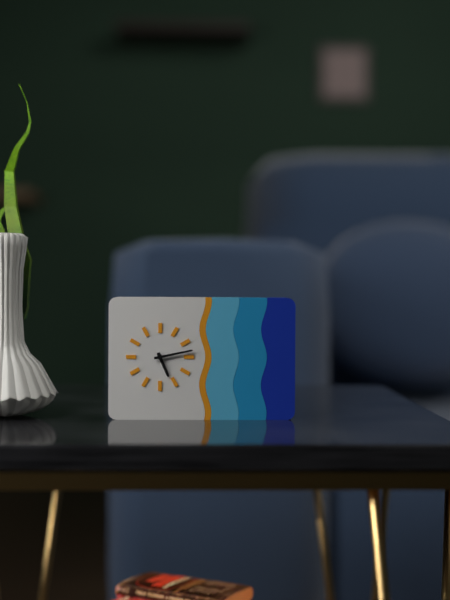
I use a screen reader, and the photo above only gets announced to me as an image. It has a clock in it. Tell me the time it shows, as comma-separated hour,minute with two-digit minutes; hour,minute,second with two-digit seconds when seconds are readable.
5,13
